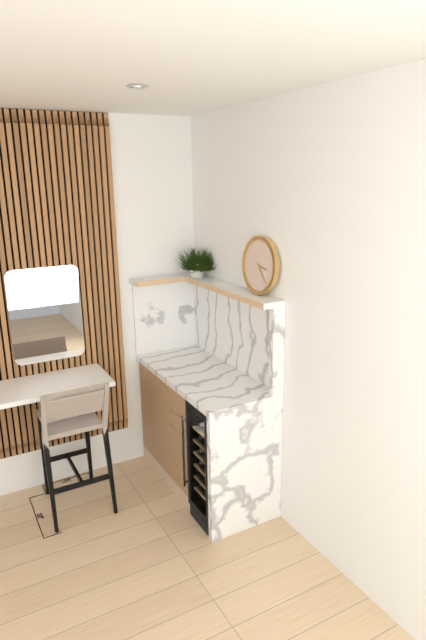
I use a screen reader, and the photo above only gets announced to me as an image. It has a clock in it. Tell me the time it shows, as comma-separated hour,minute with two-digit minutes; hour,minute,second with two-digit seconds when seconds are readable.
3,23
